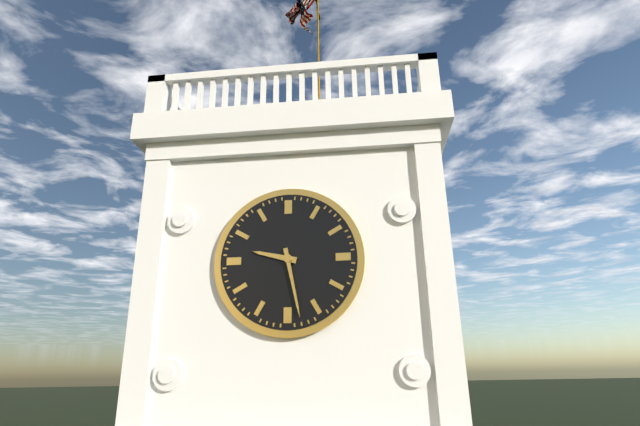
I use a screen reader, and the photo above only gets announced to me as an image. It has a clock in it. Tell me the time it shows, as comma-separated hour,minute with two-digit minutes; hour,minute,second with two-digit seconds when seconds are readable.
9,28
